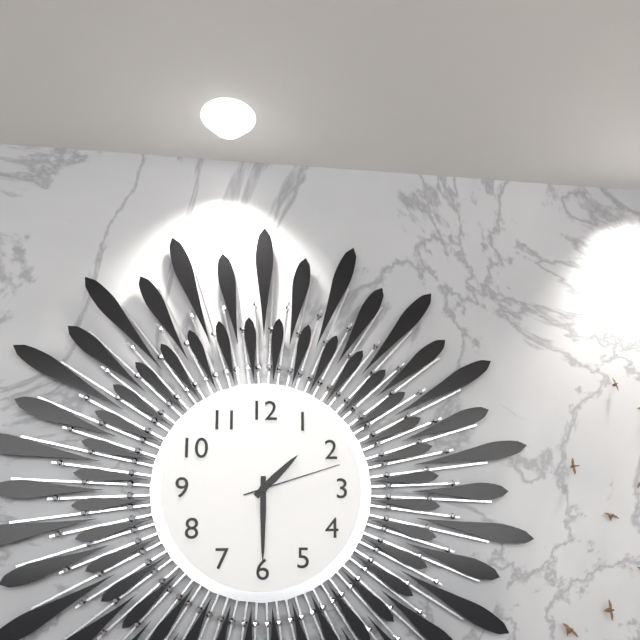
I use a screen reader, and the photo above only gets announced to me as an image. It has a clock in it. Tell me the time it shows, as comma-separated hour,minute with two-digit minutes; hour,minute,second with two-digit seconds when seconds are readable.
1,30,12
